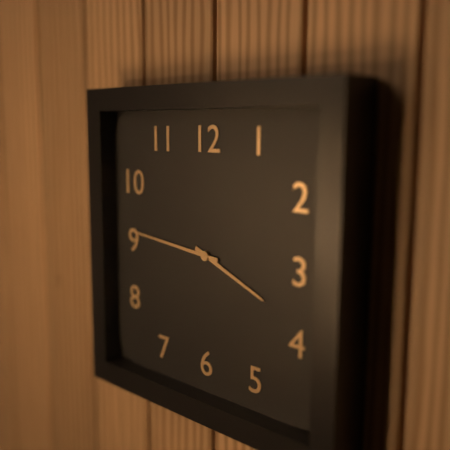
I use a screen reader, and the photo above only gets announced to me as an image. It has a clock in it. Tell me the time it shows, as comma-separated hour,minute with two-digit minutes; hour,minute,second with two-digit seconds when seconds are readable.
3,46
